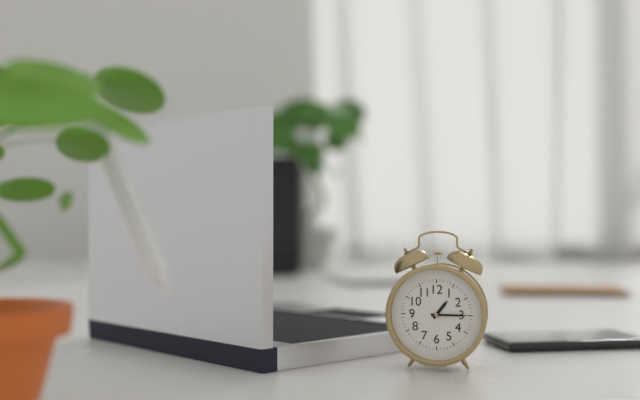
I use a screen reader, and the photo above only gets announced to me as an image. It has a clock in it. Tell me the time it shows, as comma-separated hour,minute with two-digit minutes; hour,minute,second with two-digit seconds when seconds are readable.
1,15
